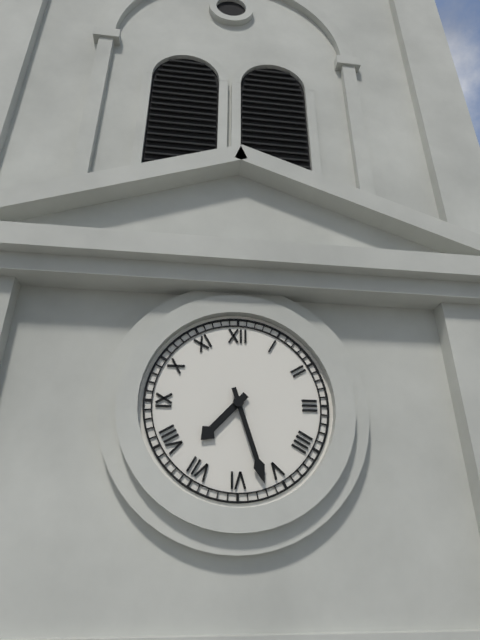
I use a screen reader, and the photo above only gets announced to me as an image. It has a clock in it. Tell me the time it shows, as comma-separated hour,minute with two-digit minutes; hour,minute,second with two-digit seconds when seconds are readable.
7,27
